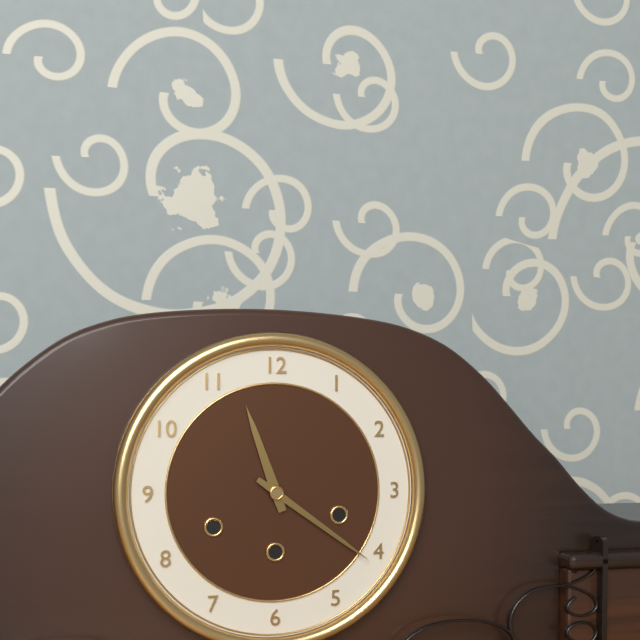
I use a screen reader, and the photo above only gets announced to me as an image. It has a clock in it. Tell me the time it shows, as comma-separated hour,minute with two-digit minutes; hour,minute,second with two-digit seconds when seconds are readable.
11,21
